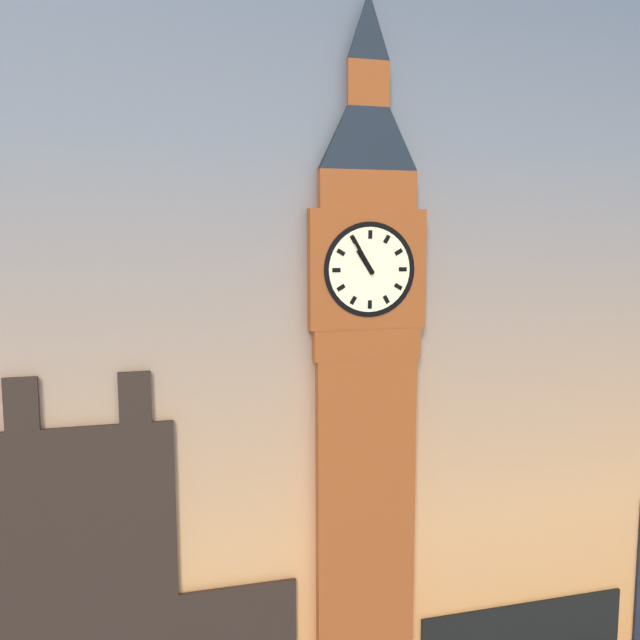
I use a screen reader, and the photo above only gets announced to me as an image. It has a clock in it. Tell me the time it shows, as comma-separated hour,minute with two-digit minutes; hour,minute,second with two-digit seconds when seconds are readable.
10,55
